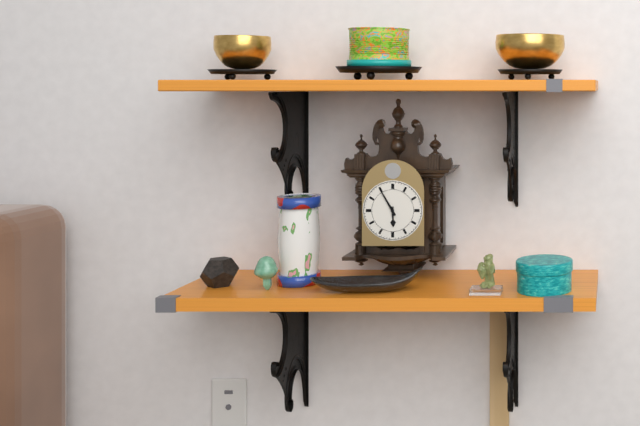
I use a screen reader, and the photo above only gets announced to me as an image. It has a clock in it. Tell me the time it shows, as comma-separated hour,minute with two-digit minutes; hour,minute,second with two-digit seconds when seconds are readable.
5,55
